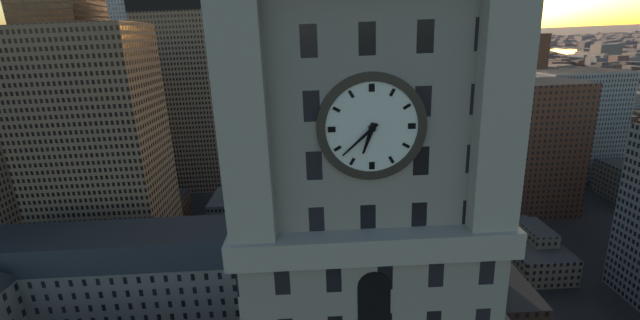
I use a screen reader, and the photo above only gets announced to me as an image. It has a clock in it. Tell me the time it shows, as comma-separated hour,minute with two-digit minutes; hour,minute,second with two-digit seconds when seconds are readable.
6,38
